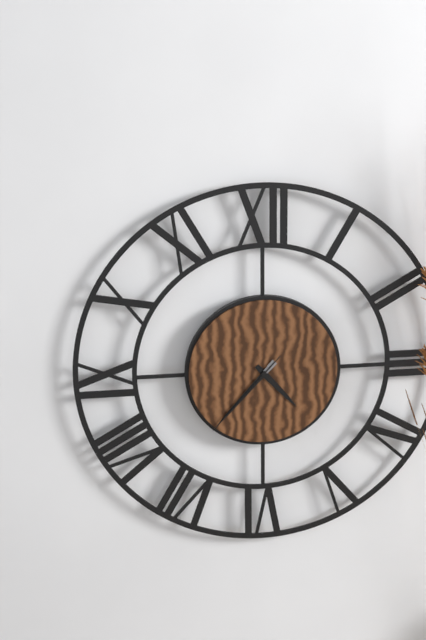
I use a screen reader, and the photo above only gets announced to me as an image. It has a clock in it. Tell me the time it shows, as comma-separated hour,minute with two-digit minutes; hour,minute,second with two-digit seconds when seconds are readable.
4,37,37
